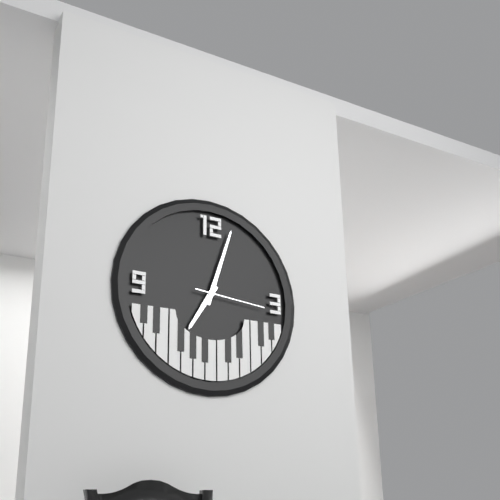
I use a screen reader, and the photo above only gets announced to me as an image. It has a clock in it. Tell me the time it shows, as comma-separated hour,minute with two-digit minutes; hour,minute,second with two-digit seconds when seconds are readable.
7,03,16
